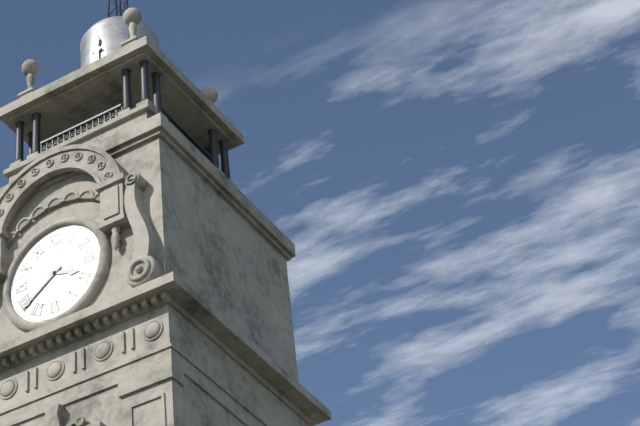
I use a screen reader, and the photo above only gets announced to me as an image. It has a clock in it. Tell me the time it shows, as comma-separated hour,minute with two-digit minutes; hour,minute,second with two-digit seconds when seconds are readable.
3,39
